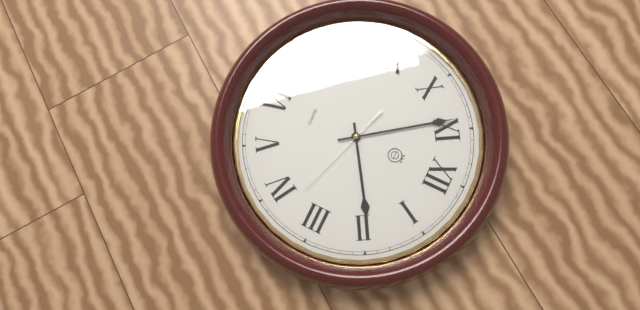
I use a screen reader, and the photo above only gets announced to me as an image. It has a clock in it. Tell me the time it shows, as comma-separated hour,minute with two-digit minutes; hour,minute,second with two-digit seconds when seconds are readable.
1,54,18
